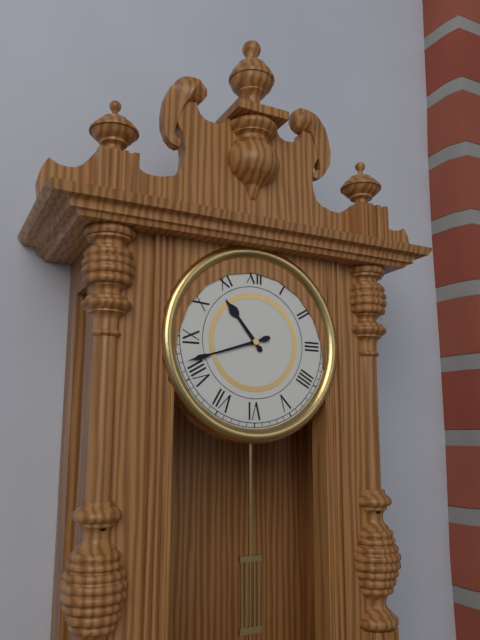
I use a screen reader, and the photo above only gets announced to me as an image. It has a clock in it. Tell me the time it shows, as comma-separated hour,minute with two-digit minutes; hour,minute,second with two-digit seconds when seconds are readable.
10,42
